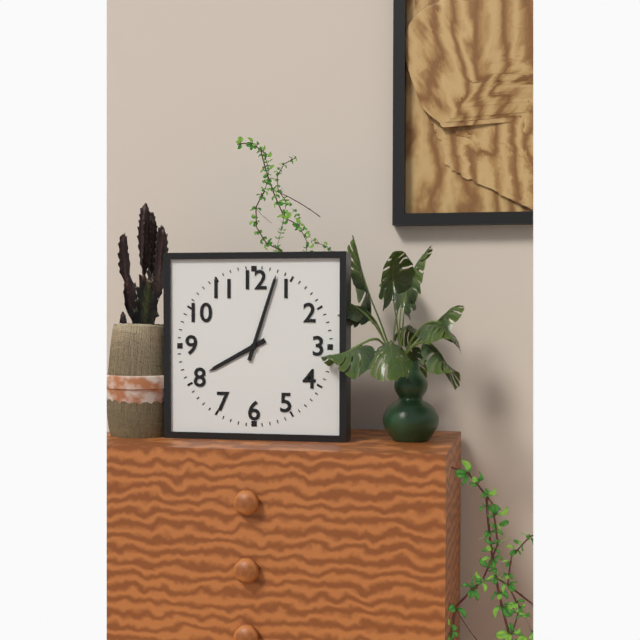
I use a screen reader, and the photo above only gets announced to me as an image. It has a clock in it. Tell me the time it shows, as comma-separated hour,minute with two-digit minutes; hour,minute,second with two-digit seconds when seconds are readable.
8,03
